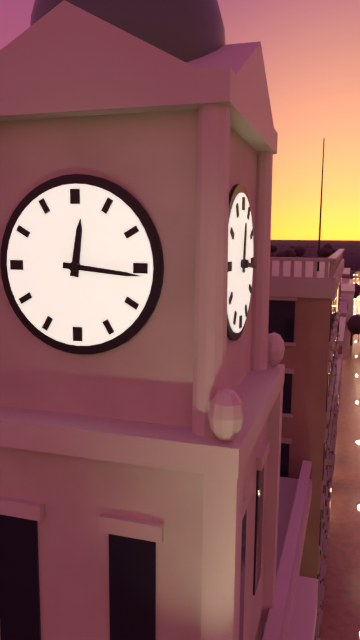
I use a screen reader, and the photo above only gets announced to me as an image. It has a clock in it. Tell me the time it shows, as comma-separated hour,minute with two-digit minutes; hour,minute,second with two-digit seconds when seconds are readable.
12,16
